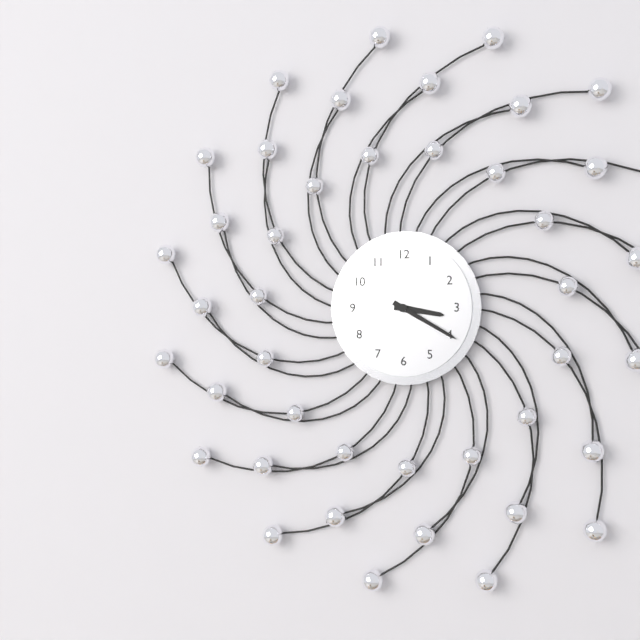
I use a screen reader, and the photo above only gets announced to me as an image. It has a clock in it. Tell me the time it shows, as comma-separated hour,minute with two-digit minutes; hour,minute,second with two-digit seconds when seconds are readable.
3,20
